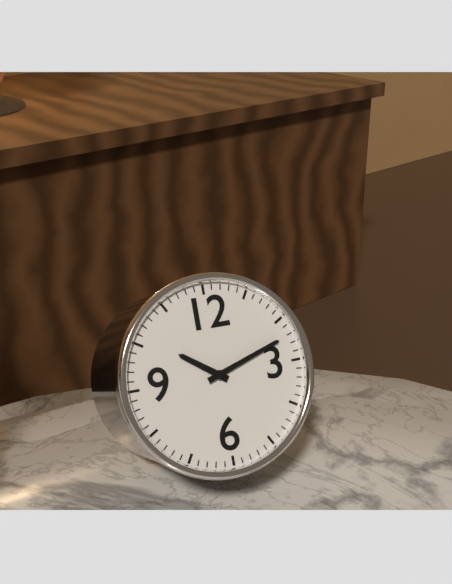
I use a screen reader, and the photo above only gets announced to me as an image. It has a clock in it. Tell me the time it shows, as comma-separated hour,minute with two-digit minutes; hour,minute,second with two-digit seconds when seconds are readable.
10,12
